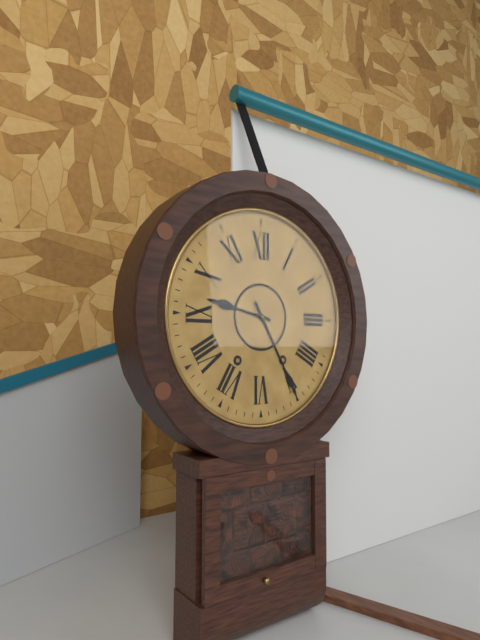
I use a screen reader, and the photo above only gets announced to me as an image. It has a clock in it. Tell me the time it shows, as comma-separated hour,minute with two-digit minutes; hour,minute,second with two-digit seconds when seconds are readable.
9,25
